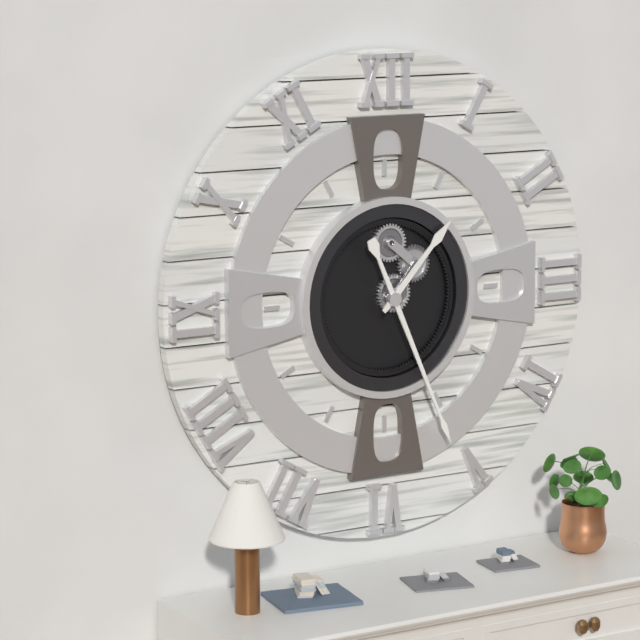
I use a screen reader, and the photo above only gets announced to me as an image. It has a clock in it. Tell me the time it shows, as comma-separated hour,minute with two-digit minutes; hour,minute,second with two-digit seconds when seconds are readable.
1,26
